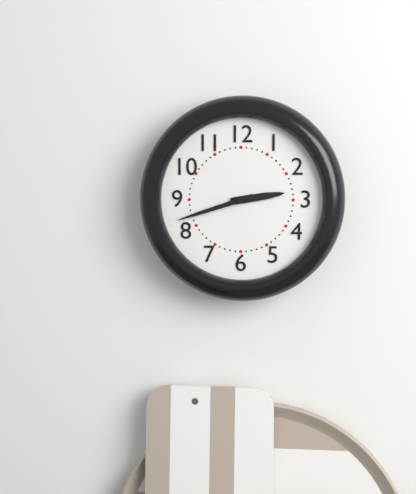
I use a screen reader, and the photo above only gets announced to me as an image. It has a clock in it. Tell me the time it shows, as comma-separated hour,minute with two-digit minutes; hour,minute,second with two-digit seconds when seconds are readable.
2,42
